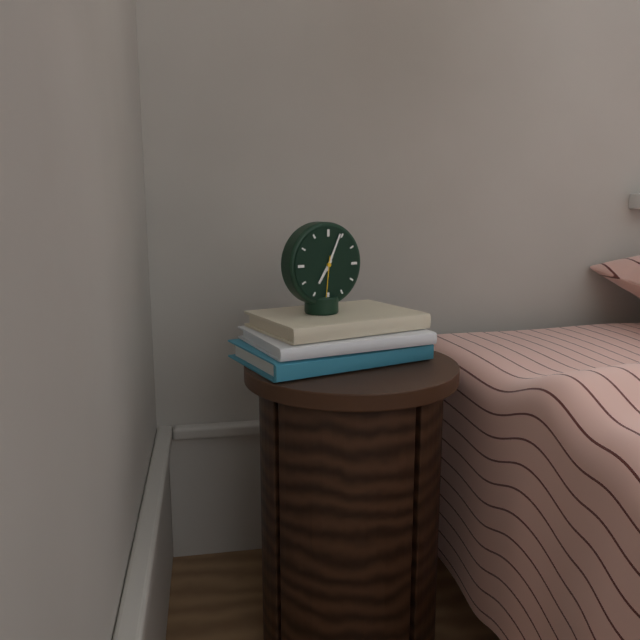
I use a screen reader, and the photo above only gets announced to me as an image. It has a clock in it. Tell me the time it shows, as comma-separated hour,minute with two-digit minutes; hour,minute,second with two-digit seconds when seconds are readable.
7,04
